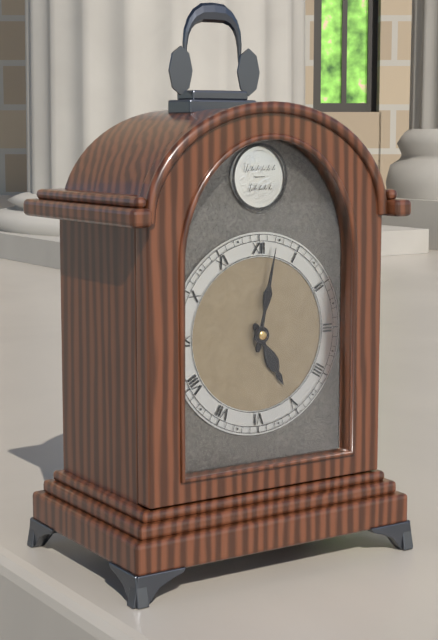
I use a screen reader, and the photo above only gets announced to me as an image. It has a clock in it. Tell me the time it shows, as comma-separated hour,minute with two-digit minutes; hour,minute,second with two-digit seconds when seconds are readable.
5,02
